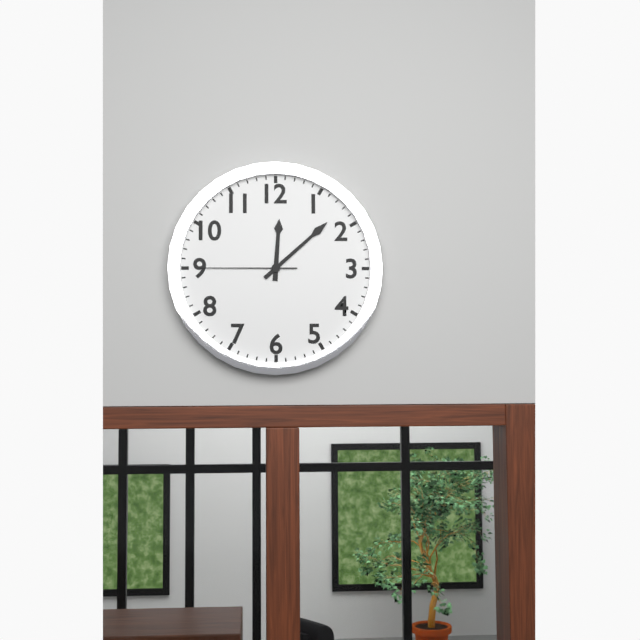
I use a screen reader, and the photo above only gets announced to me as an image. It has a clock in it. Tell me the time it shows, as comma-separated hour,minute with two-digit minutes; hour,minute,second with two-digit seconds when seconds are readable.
12,08,45
